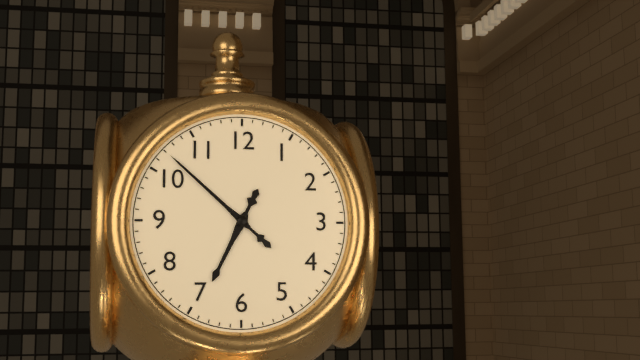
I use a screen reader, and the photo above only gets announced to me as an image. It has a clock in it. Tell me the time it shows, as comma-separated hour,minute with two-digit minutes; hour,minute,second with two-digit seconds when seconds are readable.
6,52
